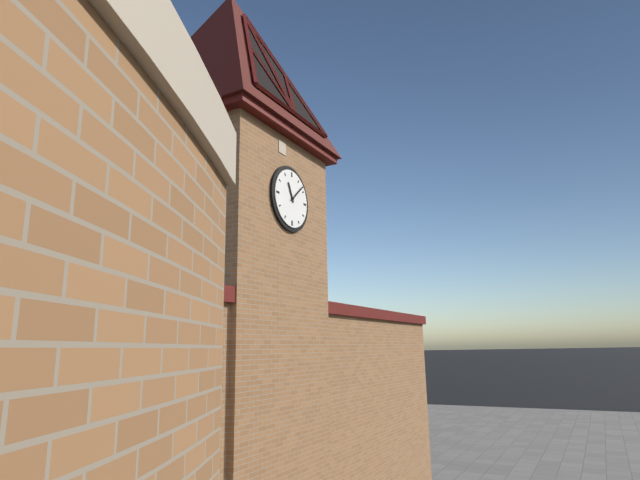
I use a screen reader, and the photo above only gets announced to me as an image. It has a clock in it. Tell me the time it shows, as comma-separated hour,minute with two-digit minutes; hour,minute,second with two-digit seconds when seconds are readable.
11,08
